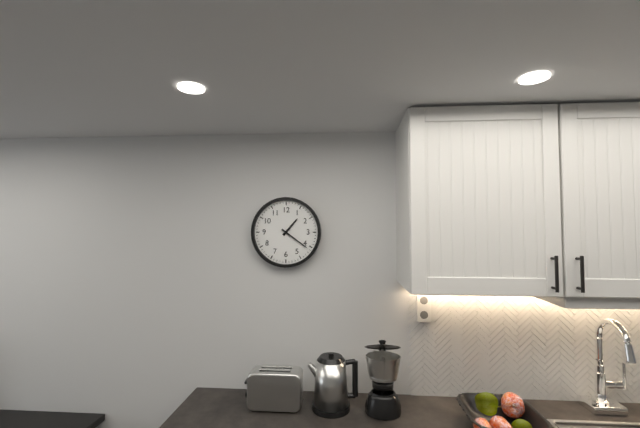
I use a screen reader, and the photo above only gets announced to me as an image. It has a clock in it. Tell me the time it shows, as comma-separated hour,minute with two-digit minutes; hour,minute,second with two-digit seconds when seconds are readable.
1,21
